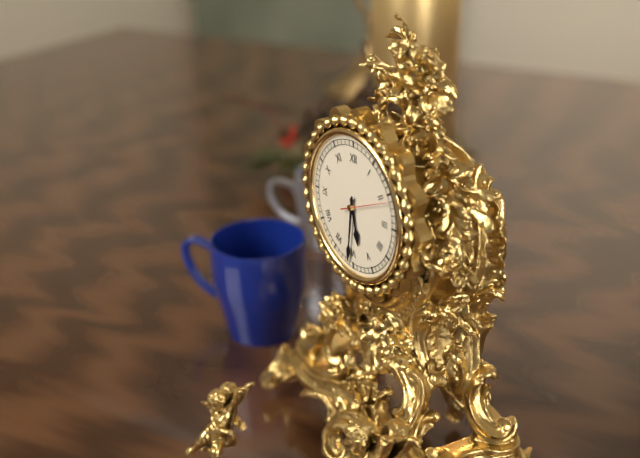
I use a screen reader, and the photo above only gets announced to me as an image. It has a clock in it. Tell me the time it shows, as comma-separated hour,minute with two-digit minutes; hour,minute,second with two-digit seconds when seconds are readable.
5,31
